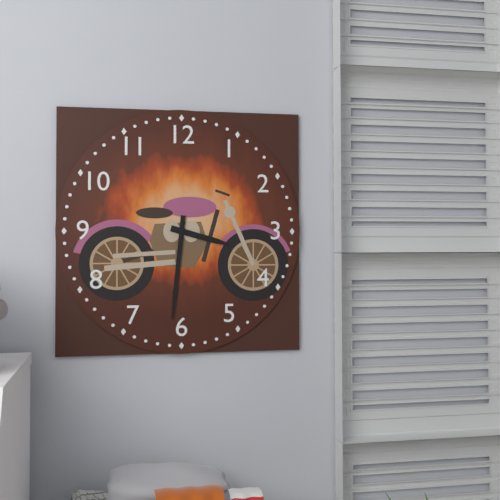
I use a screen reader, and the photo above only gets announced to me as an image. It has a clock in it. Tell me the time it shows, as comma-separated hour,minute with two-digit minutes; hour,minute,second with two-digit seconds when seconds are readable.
3,31
